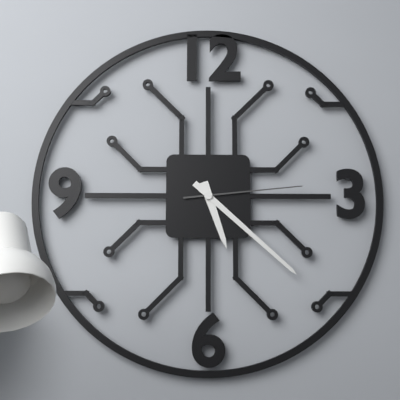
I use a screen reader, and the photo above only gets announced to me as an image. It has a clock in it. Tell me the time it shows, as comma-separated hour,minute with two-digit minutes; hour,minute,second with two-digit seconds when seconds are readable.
5,22,14
